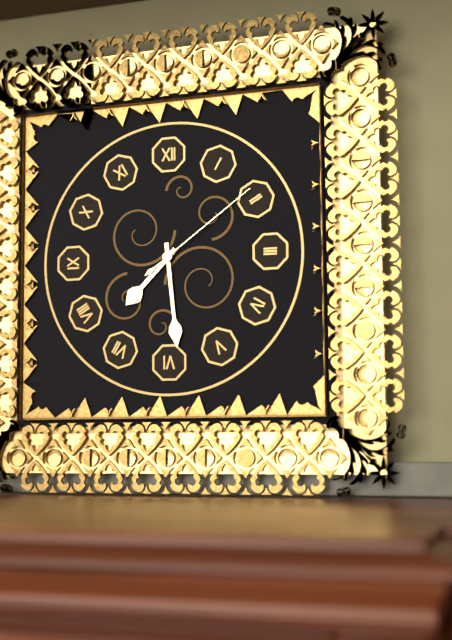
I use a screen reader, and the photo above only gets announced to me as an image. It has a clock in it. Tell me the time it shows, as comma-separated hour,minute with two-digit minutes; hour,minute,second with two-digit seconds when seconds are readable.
7,29,09
